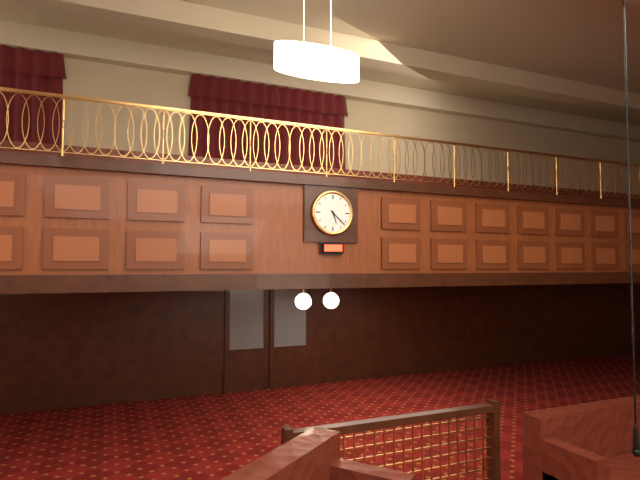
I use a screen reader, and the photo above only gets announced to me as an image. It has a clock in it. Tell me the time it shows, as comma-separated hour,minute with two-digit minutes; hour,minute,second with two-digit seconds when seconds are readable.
5,22
